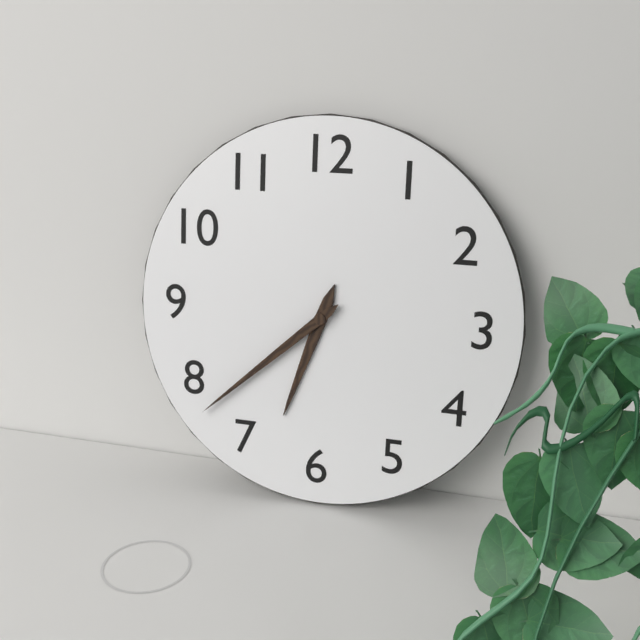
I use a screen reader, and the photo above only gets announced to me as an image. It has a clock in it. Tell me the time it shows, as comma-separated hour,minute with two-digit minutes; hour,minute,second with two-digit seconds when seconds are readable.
6,38
